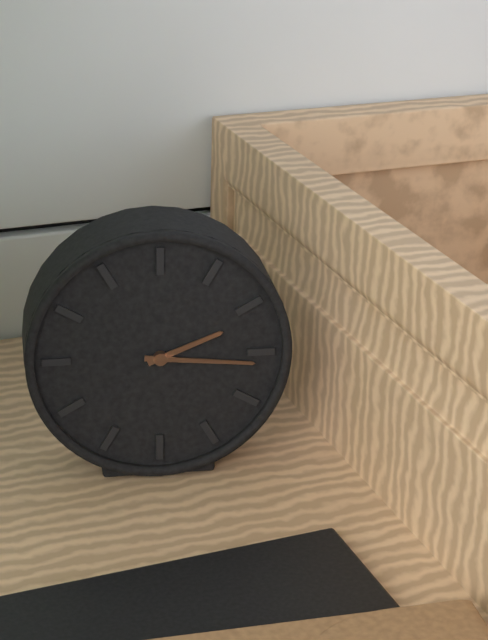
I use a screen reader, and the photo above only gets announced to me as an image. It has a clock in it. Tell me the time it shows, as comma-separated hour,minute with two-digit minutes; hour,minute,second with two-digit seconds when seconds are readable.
2,16
